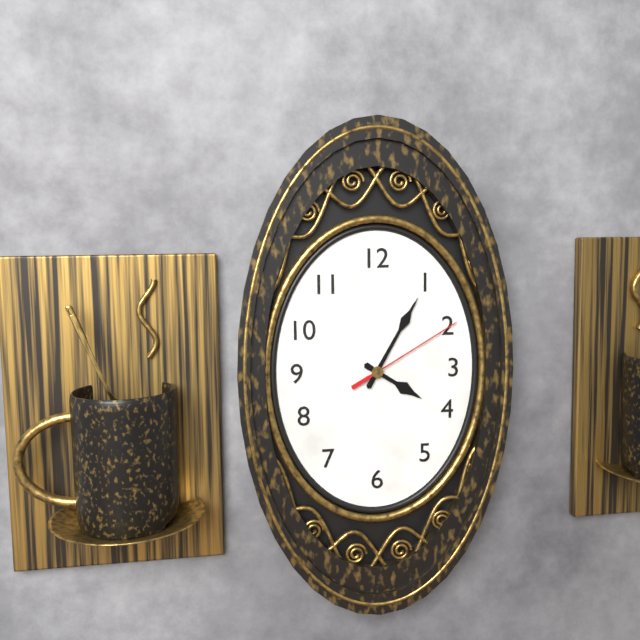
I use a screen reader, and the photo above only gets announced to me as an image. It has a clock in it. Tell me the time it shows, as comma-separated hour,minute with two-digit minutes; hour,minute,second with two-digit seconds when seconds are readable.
4,05,10
